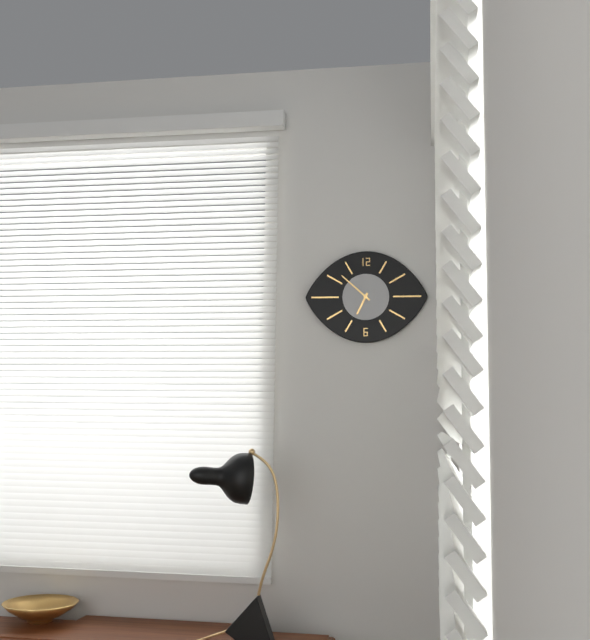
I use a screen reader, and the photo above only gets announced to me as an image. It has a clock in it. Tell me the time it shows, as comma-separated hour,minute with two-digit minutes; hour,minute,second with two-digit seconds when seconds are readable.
6,52
